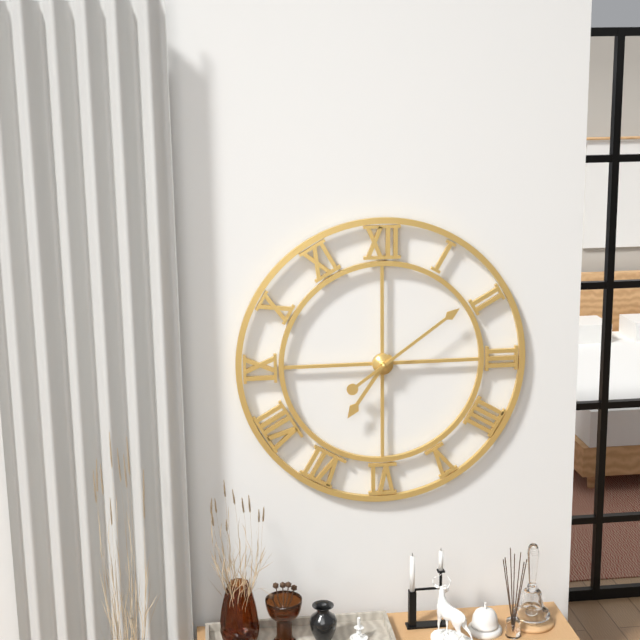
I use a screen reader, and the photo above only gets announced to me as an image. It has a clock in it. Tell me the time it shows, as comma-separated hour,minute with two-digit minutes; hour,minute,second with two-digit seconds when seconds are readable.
7,09
